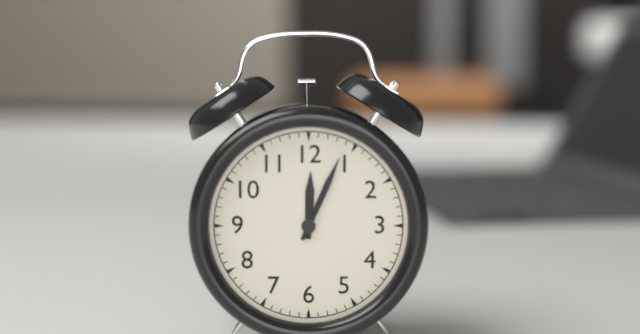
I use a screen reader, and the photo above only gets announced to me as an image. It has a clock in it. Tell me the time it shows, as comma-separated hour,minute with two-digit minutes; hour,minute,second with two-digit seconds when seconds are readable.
12,04
